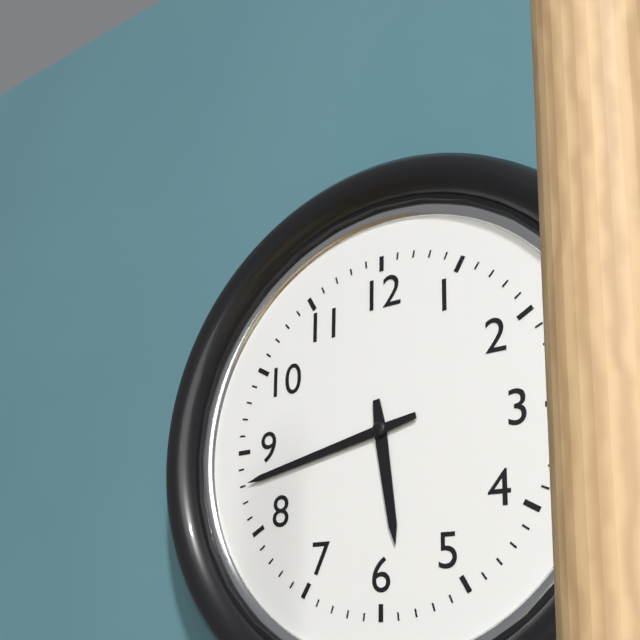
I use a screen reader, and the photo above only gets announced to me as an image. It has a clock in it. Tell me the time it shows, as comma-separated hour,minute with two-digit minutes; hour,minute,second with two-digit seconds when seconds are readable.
5,43
